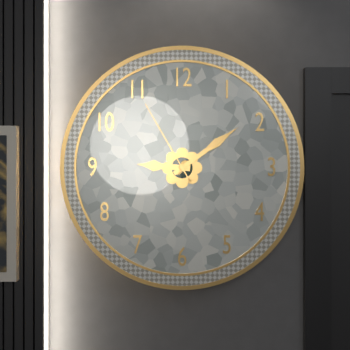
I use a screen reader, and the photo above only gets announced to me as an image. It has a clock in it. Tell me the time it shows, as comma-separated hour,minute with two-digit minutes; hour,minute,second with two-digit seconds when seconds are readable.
9,09,55
